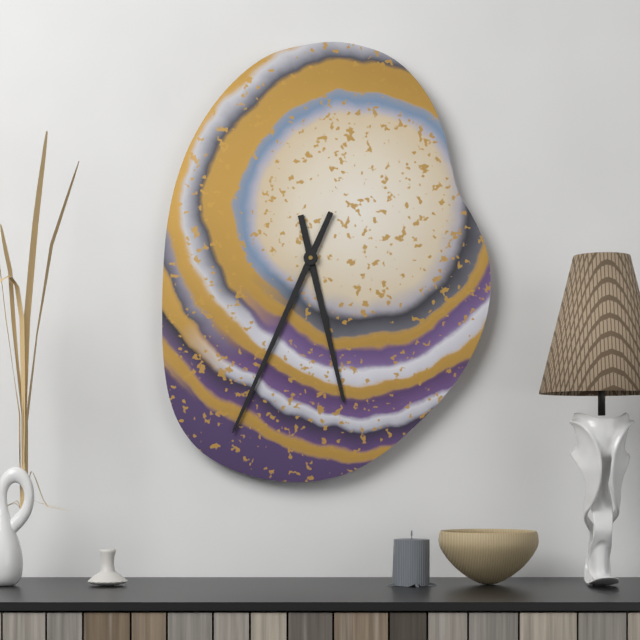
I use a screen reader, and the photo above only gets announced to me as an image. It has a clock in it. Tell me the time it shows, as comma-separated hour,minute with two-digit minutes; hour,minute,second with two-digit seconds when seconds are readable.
5,34
